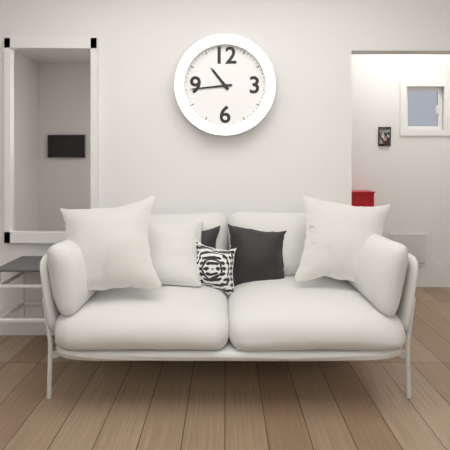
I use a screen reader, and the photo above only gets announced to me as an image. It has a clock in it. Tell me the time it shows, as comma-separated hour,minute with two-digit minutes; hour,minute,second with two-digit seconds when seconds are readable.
10,44
